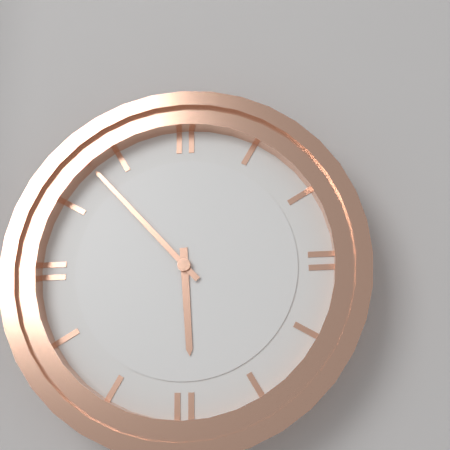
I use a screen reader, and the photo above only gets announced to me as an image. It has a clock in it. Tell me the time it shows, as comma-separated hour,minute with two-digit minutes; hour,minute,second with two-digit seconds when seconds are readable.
5,53
